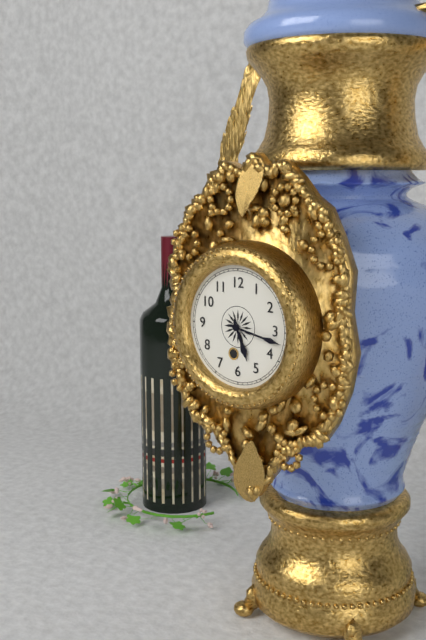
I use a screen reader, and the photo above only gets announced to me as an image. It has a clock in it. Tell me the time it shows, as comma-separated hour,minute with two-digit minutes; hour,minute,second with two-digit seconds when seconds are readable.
5,17
